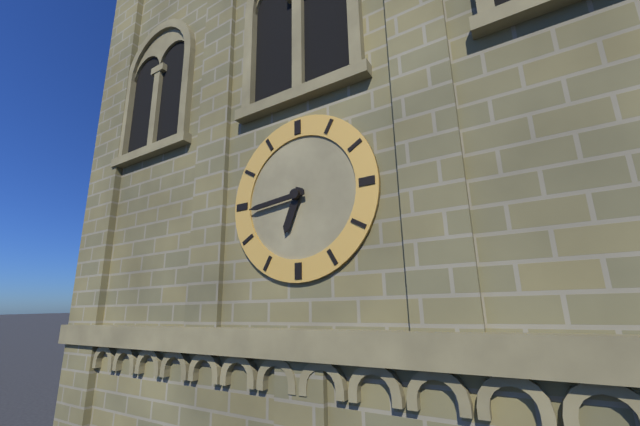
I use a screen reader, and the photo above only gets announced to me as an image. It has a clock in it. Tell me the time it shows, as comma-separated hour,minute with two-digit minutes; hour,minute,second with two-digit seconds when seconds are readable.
6,44
